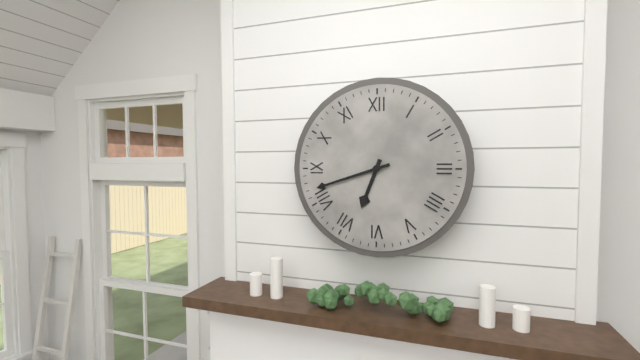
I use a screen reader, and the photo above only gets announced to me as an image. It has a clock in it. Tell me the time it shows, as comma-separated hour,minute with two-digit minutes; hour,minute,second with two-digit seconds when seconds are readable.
6,42
